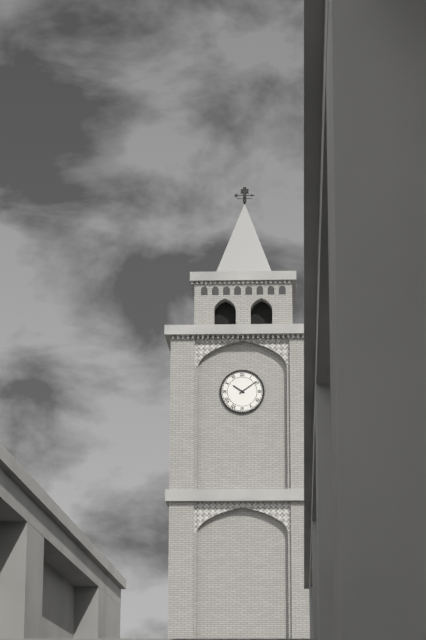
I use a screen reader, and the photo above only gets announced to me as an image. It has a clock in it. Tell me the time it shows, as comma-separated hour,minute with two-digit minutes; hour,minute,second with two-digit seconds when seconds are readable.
10,09
